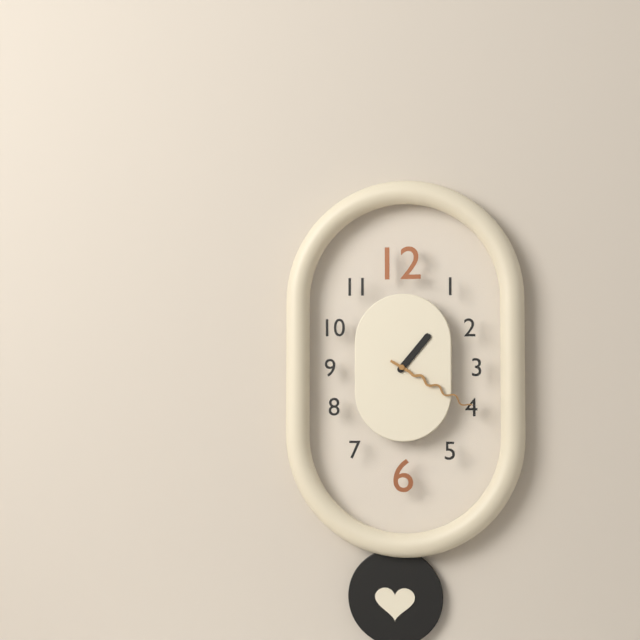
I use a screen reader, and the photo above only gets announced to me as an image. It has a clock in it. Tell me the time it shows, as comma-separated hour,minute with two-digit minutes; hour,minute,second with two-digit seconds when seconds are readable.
1,20
